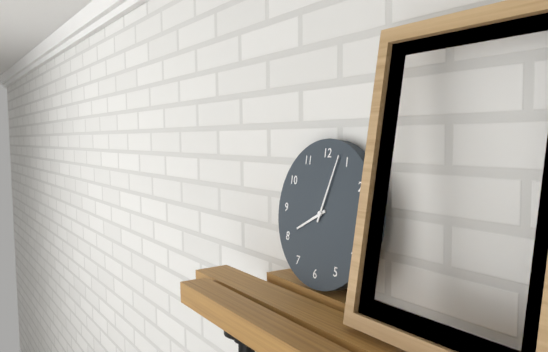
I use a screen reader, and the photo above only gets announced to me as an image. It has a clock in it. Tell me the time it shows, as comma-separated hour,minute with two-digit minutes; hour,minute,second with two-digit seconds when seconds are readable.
8,03
